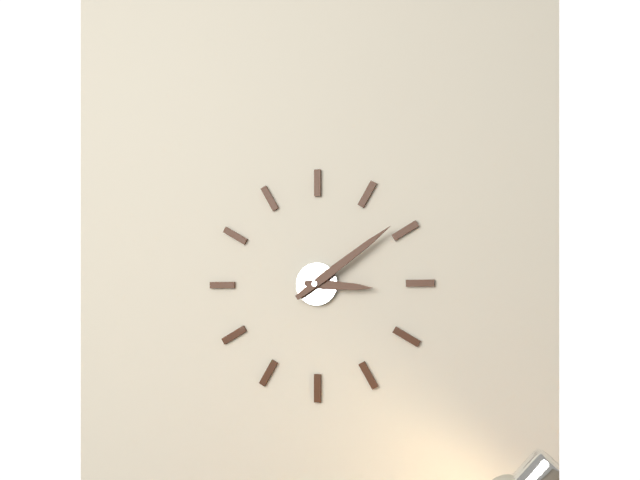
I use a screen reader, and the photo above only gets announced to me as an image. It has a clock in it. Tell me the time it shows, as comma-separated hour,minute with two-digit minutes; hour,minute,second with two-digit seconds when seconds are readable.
3,09
